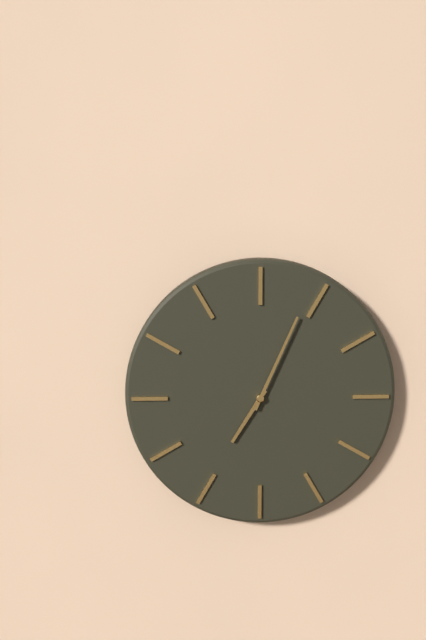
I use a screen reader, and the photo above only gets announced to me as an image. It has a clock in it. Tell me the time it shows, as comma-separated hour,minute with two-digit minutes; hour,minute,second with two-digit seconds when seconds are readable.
7,04
